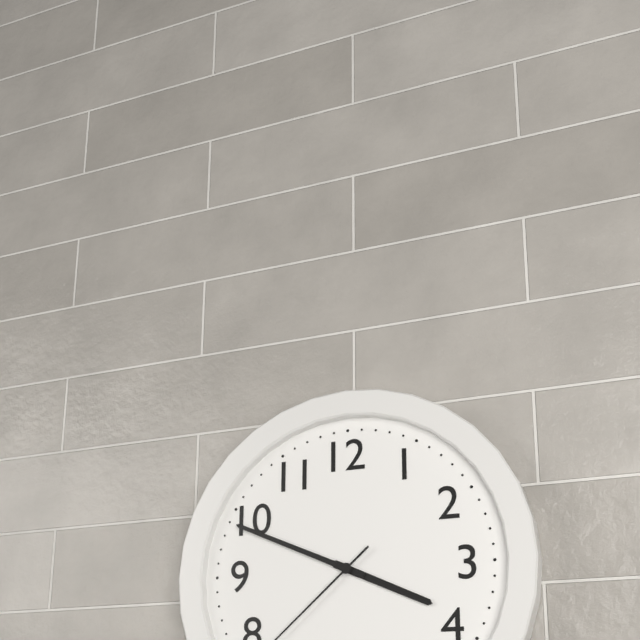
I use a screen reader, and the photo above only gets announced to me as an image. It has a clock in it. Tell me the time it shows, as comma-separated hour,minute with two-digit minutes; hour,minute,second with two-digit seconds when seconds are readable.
3,49
